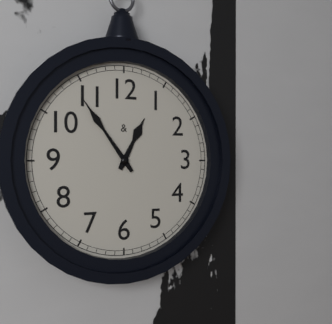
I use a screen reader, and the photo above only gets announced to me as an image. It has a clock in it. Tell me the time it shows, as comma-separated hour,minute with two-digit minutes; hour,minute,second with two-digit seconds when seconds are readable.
12,54
